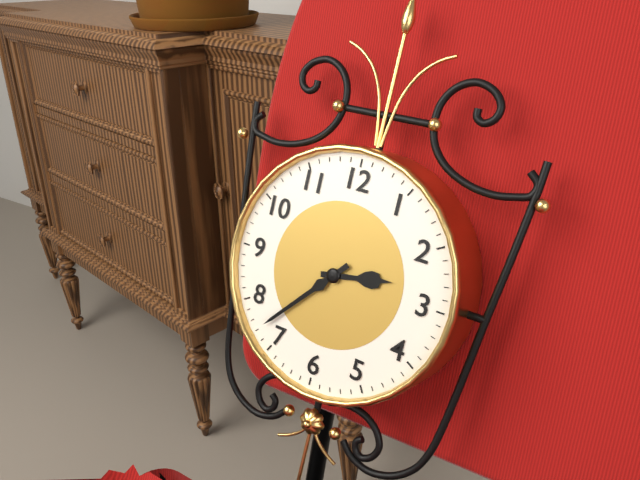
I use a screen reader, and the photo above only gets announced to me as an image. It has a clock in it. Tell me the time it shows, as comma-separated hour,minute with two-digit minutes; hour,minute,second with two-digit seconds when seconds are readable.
2,37
